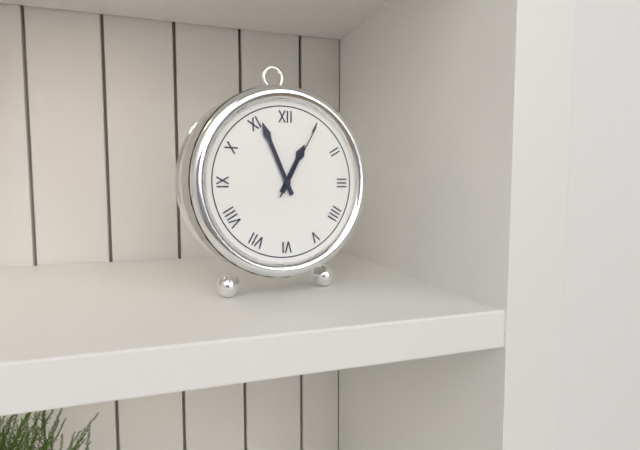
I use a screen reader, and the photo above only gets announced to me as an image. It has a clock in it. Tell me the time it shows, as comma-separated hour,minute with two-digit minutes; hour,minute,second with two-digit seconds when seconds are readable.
12,56,05
